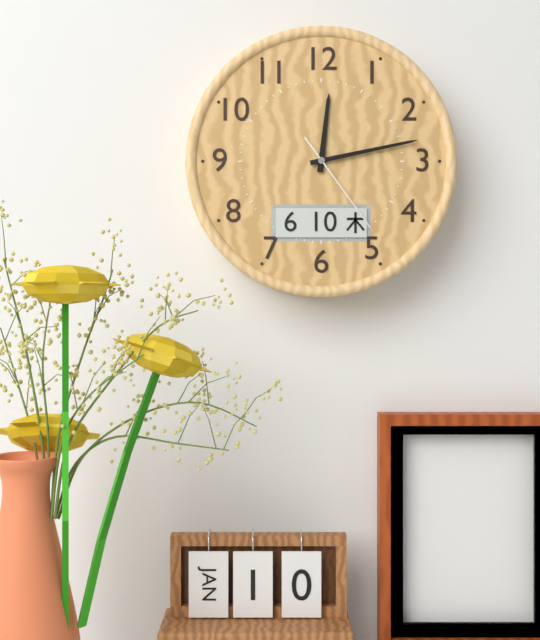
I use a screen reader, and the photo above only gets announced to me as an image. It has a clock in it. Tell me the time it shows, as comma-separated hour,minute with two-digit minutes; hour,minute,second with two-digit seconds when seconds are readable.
12,13,24
